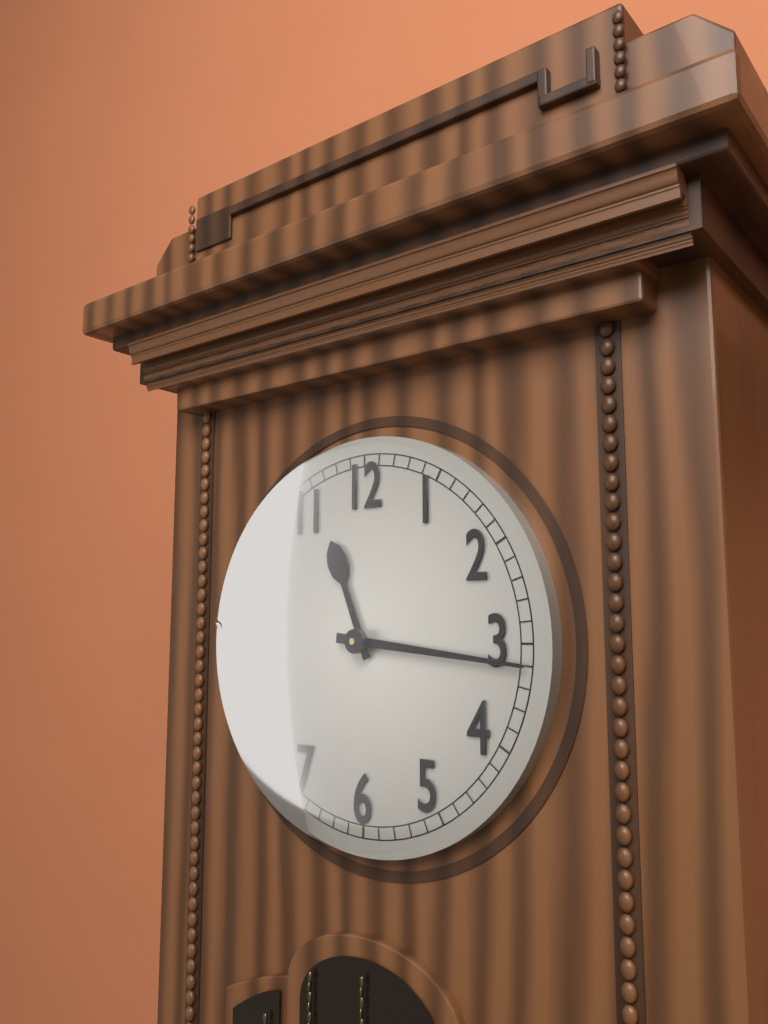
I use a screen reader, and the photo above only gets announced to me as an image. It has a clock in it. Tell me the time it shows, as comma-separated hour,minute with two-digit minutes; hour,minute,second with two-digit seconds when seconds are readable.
11,16
